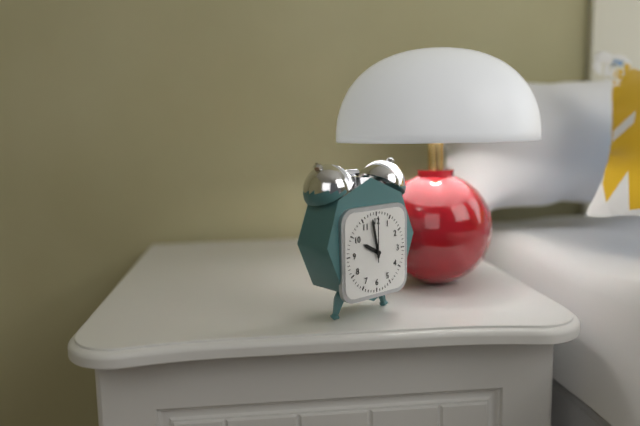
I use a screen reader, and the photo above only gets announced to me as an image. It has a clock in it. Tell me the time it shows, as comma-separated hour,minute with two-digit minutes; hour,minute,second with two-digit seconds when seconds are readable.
9,58
